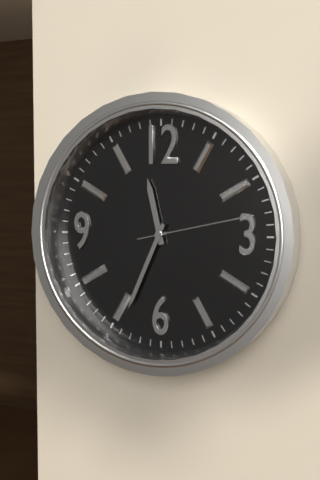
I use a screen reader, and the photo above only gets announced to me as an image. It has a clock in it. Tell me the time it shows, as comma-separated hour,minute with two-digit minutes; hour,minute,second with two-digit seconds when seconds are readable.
11,34,13
